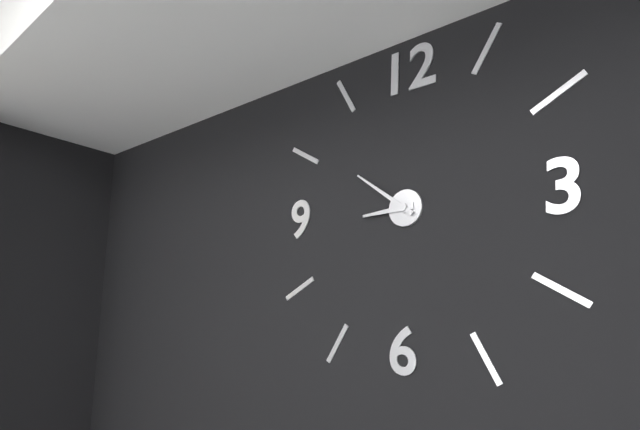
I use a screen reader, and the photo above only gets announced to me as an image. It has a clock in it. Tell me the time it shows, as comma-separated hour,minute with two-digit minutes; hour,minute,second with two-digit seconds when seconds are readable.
8,51
